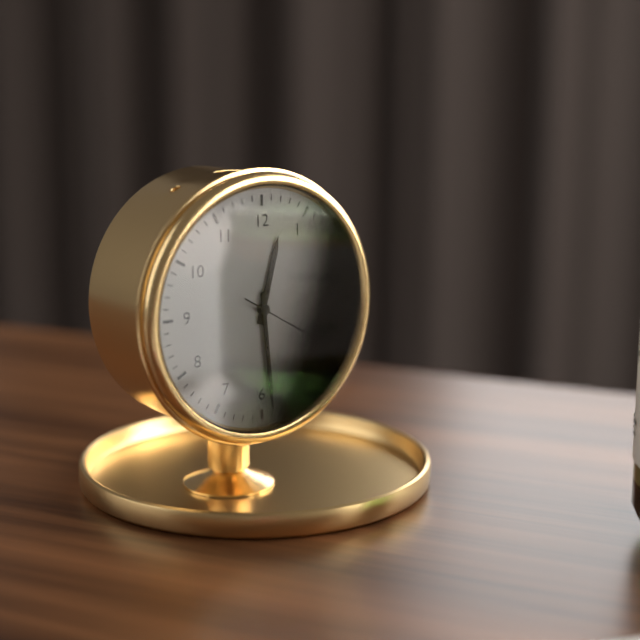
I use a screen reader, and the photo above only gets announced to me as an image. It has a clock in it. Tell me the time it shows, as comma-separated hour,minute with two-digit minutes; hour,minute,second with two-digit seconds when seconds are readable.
12,29,20
